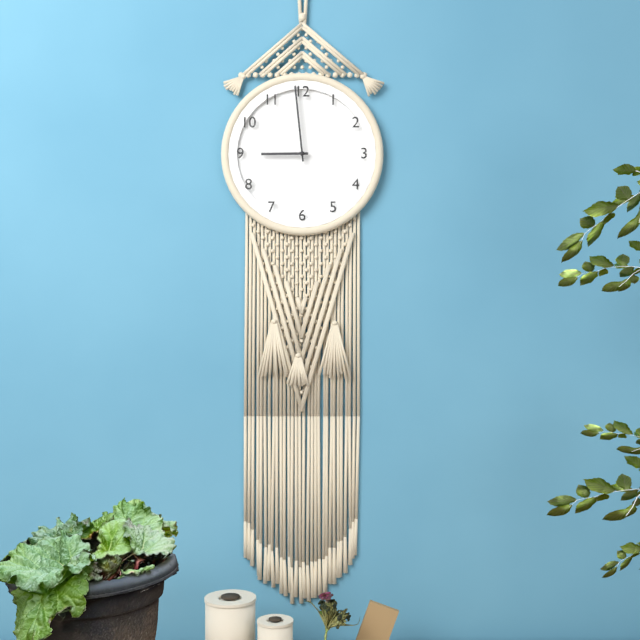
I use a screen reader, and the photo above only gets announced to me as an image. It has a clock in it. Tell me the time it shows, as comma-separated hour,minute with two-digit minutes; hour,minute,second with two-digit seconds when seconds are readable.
8,59
